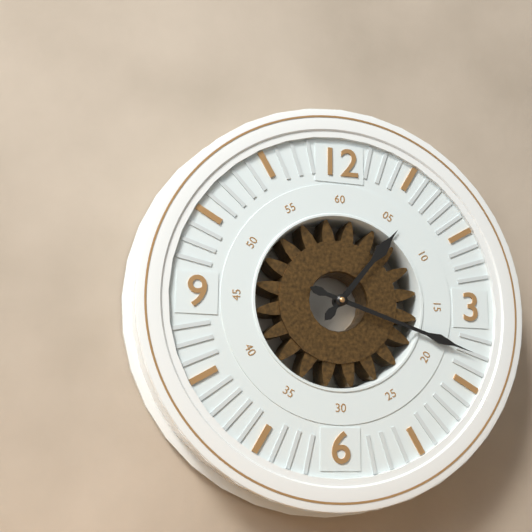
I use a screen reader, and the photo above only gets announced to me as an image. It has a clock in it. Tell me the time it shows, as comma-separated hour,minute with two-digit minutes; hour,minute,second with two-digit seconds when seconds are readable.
1,18
